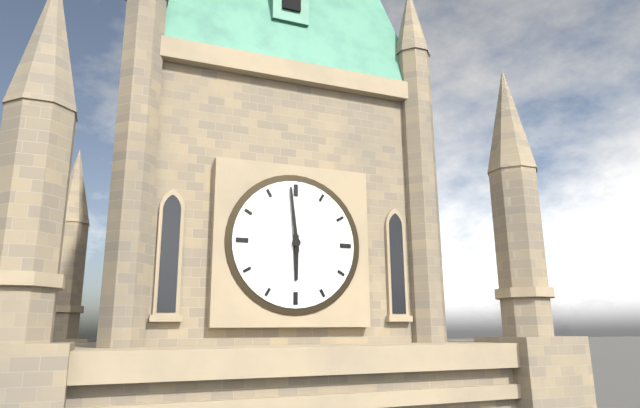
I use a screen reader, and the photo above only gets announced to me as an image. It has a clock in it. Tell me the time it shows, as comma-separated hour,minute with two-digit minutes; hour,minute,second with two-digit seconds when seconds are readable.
5,59
